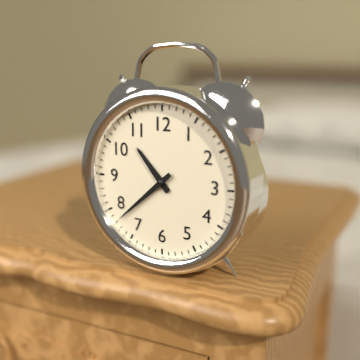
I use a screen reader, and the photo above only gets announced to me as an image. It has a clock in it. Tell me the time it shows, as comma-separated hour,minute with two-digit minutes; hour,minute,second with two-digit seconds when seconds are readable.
10,38
